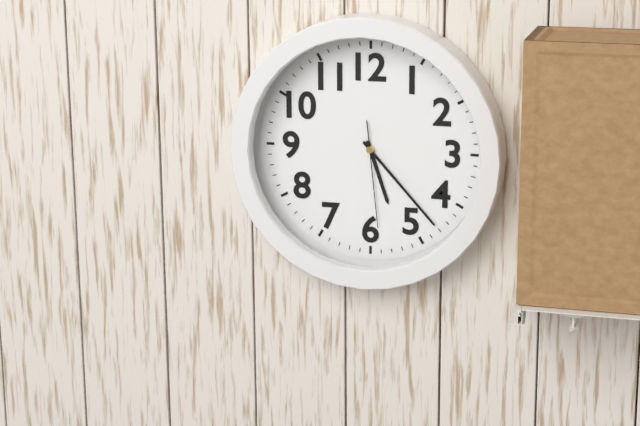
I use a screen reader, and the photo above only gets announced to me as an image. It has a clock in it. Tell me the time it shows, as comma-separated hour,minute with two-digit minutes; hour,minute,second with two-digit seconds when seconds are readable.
5,23,29
